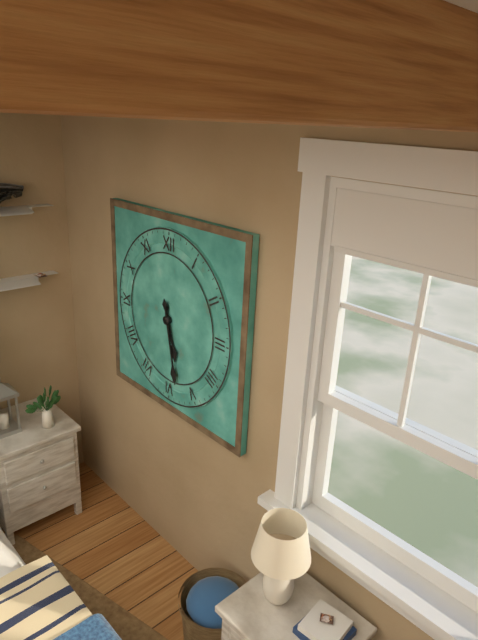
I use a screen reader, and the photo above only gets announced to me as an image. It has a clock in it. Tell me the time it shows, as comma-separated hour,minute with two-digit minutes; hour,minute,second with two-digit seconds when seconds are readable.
5,28
